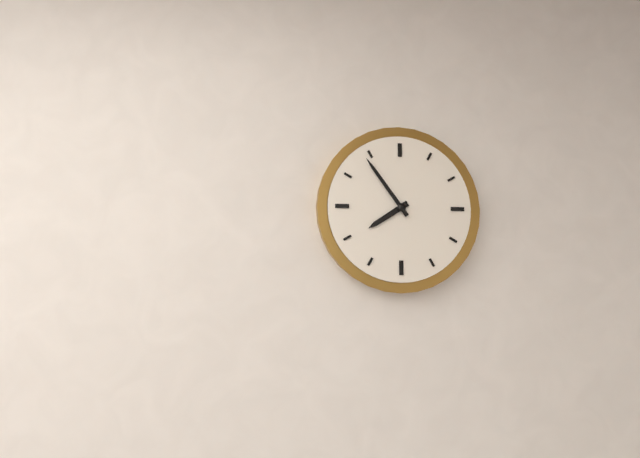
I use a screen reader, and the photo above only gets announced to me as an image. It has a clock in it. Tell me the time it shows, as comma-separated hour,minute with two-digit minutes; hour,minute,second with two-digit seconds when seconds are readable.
7,54
